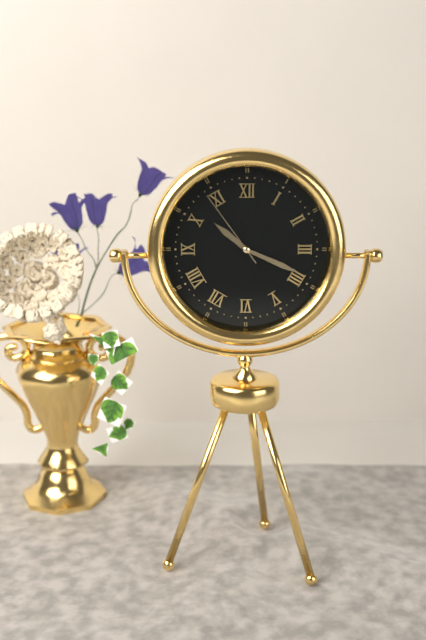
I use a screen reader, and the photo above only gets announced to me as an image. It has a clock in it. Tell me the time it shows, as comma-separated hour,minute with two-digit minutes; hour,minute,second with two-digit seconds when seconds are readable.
10,19,54
